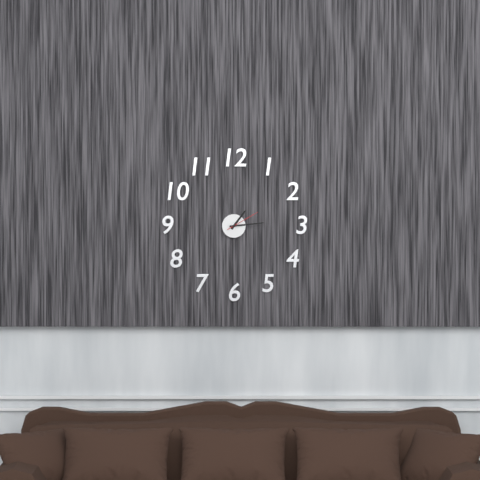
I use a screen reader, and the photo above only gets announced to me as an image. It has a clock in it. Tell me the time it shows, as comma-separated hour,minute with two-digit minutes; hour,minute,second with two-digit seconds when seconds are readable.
1,14
